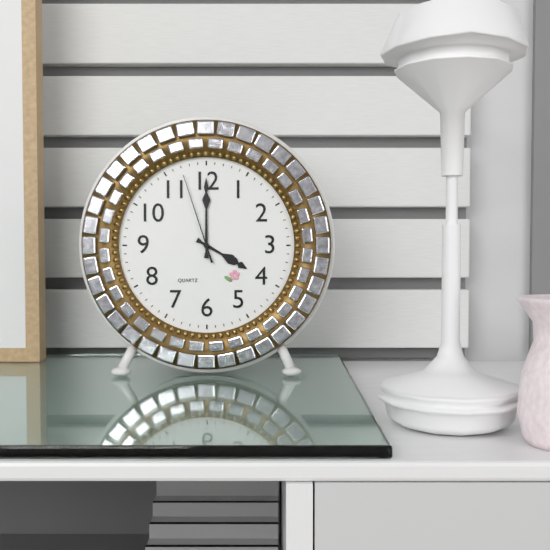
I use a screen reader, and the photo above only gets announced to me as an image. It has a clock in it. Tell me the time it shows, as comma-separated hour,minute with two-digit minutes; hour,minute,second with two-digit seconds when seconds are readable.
4,00,57
